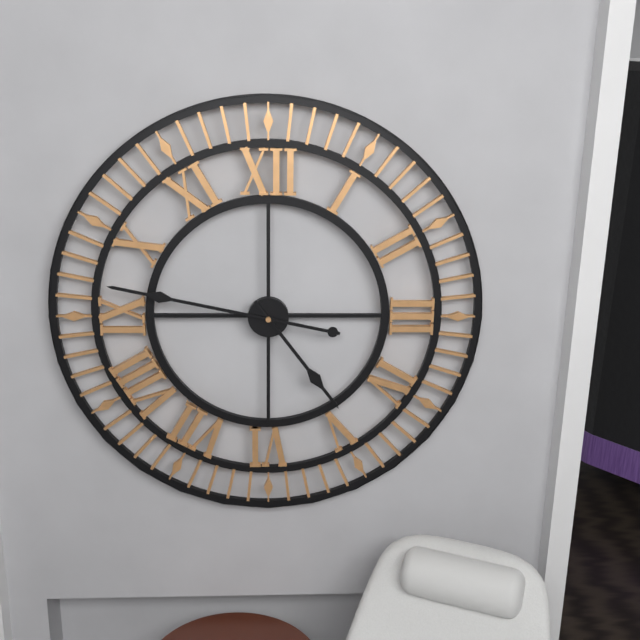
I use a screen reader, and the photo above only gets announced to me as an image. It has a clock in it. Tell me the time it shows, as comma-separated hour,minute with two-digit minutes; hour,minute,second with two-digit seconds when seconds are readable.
4,47
